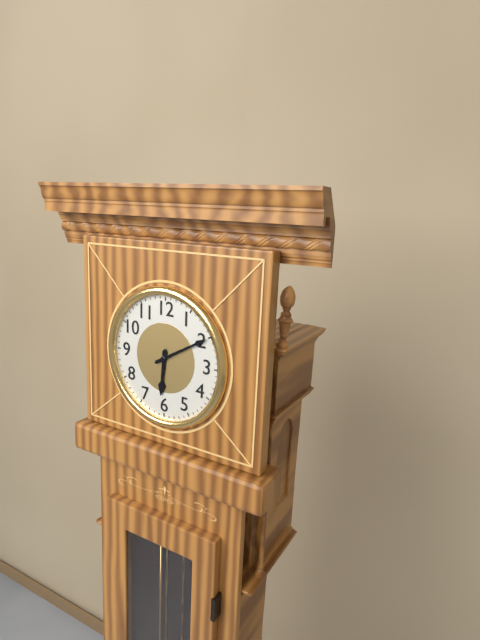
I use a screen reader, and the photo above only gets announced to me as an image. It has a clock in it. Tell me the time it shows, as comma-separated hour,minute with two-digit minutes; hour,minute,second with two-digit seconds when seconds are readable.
6,10
